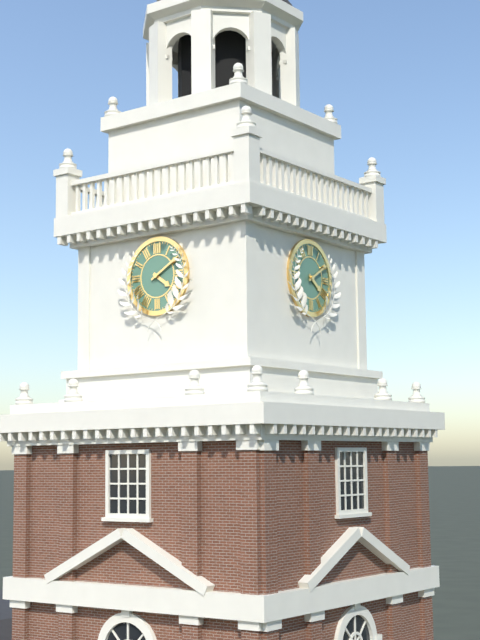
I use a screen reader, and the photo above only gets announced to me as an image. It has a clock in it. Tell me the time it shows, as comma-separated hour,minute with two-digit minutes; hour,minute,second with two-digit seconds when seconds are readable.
4,10
